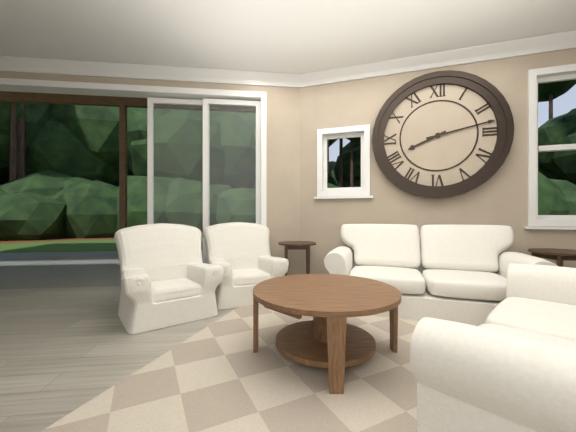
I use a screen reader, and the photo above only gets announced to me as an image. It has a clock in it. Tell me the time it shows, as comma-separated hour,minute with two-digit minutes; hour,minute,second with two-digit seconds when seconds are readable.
8,13
